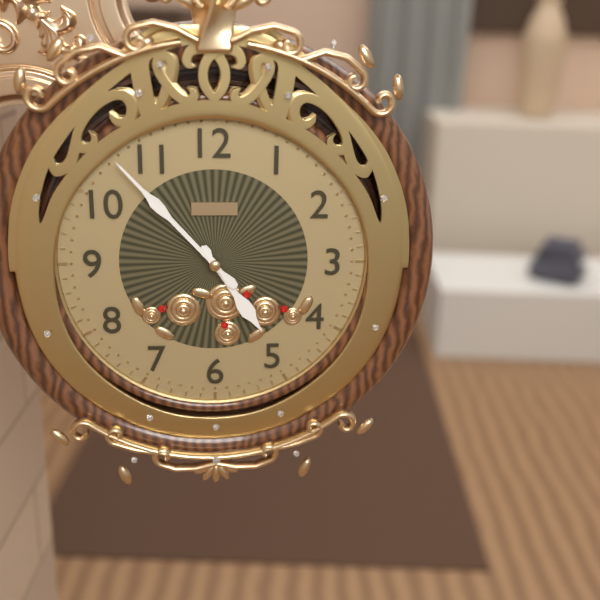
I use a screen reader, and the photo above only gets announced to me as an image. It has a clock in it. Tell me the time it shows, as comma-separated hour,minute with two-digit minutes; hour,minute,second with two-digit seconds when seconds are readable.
4,53
